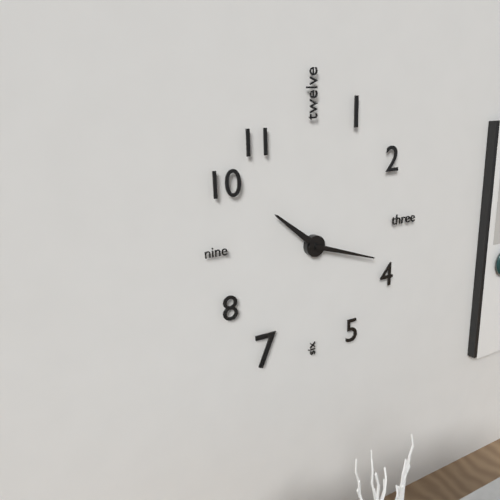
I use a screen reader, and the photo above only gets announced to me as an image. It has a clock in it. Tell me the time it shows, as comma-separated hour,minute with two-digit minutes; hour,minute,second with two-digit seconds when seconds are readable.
10,18
